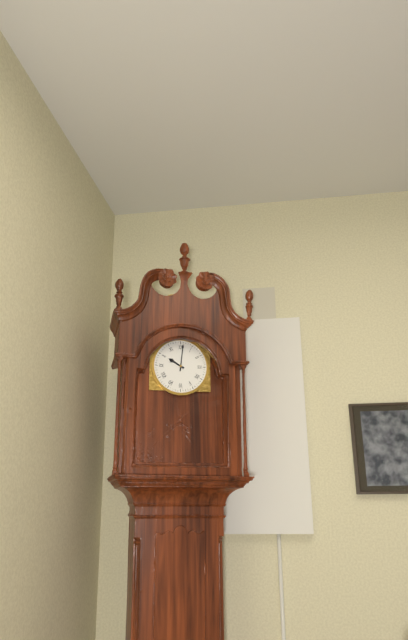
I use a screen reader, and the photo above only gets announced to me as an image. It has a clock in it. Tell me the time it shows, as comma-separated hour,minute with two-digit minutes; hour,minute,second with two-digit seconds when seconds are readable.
10,01
